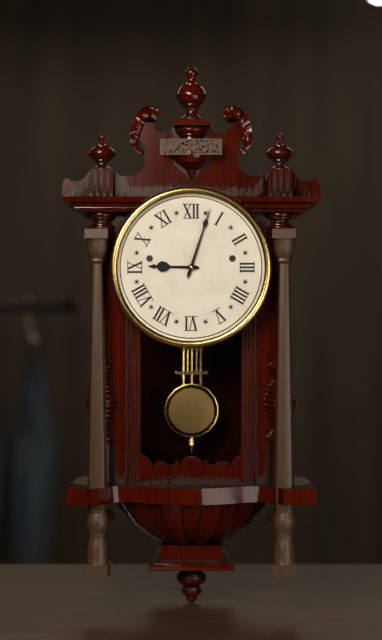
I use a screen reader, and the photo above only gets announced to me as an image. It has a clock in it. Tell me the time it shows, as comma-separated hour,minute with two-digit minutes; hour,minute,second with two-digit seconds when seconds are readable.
9,03
